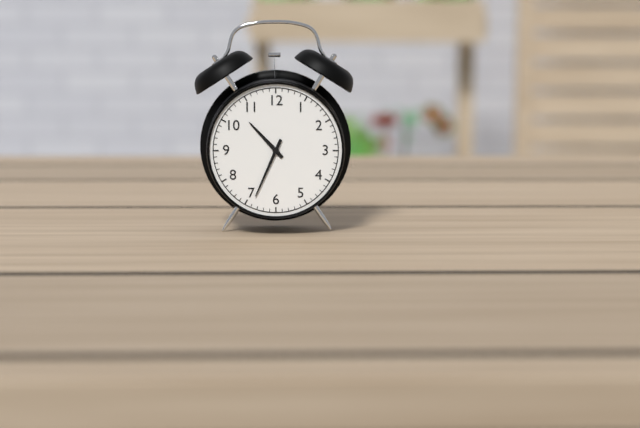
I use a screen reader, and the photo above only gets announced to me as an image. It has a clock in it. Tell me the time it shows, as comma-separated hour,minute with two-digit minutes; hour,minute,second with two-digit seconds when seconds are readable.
10,34
